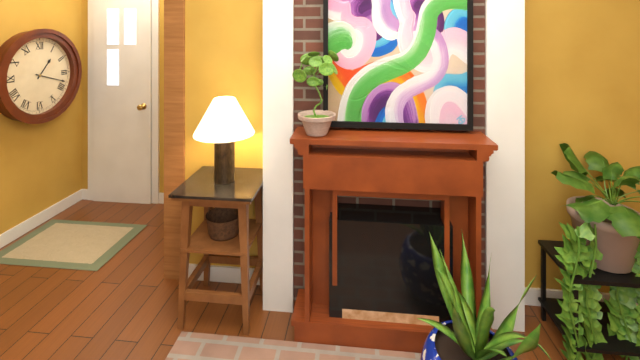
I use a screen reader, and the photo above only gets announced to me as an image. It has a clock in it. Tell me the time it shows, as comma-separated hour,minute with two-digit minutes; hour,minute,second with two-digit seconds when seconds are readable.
1,18
